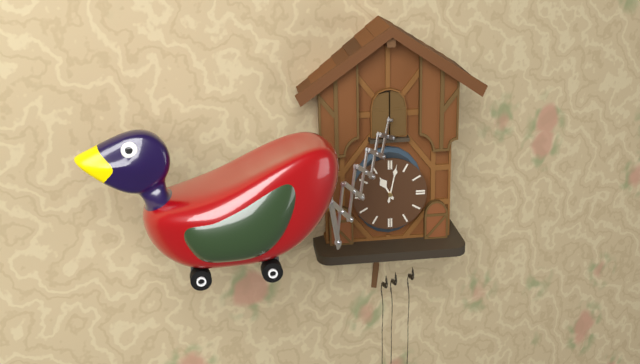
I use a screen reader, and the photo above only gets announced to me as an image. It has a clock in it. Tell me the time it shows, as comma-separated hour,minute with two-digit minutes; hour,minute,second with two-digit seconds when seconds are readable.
11,02
